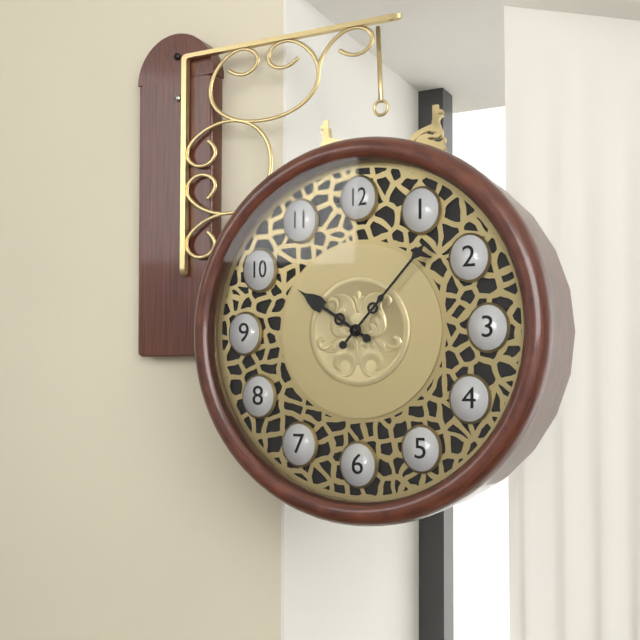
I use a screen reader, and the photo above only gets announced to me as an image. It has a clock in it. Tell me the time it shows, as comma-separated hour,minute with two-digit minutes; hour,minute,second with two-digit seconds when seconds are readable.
10,07
